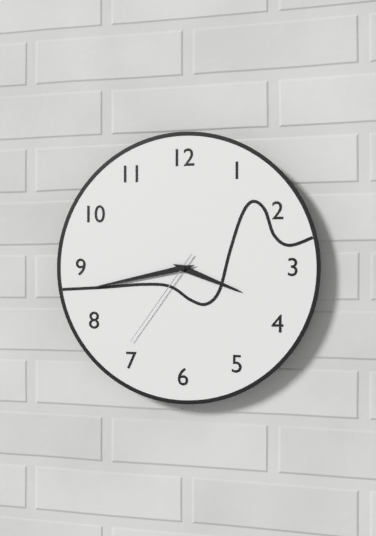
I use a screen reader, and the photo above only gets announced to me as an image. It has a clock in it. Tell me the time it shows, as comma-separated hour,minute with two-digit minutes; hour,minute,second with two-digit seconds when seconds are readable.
3,43,36
